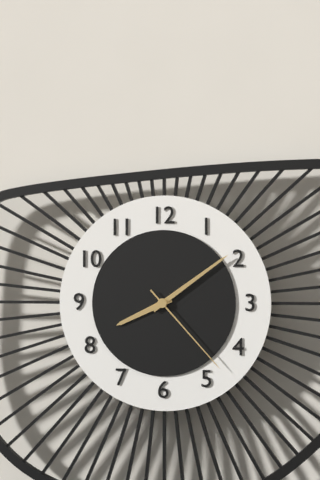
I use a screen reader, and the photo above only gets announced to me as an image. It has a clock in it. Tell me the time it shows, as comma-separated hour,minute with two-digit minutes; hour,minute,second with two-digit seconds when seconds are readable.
8,09,23
